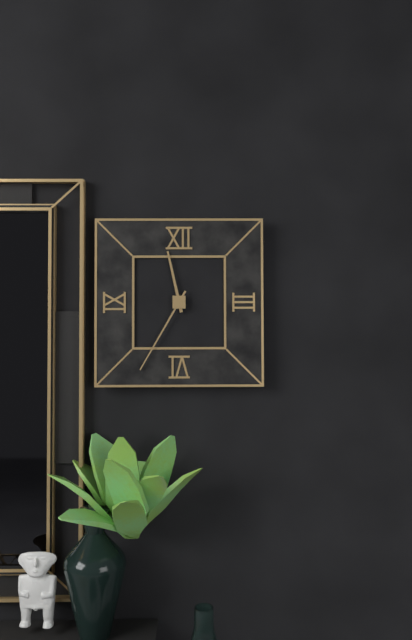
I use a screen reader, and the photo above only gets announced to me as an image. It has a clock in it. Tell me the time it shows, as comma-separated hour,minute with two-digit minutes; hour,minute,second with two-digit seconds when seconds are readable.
11,35
